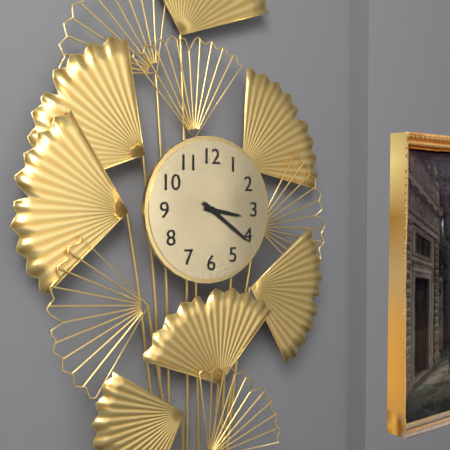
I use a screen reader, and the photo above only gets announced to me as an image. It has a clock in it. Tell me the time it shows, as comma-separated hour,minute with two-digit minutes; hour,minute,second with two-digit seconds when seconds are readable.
3,21
